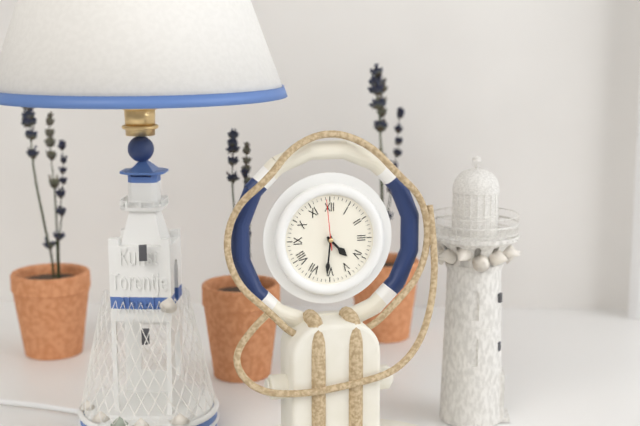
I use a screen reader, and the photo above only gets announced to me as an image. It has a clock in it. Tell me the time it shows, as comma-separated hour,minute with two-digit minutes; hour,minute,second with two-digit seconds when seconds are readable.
4,31,59
